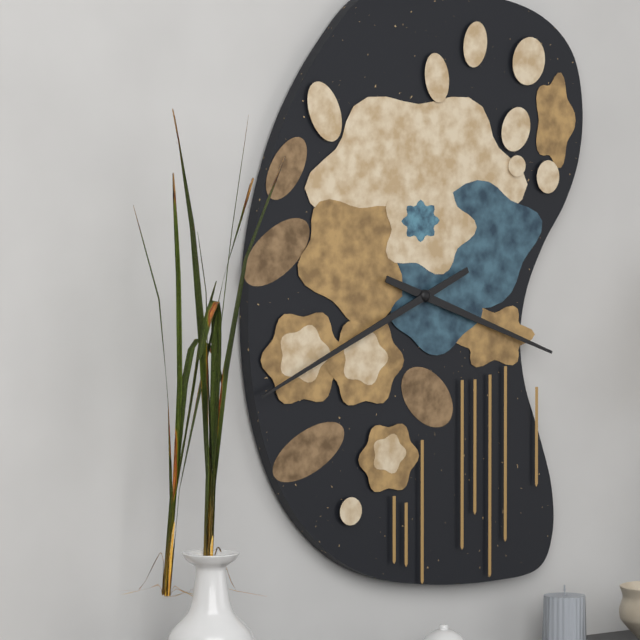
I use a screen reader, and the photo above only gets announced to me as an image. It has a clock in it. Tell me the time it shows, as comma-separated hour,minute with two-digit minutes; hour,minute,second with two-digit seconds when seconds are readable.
3,41
